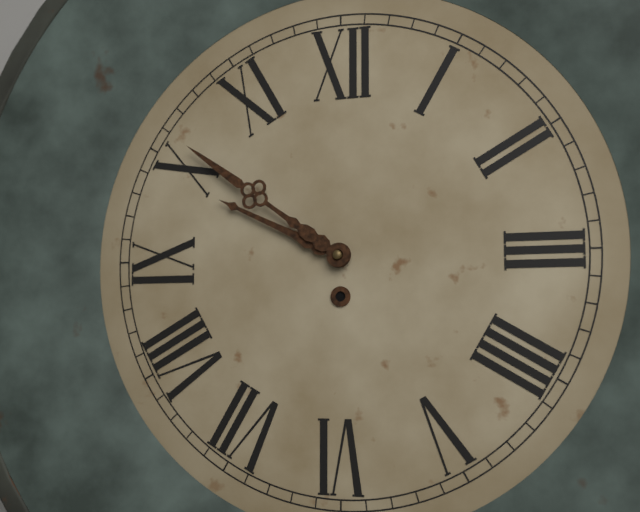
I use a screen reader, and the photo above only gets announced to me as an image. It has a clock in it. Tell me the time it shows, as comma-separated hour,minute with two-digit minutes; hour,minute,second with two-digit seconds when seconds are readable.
9,51
